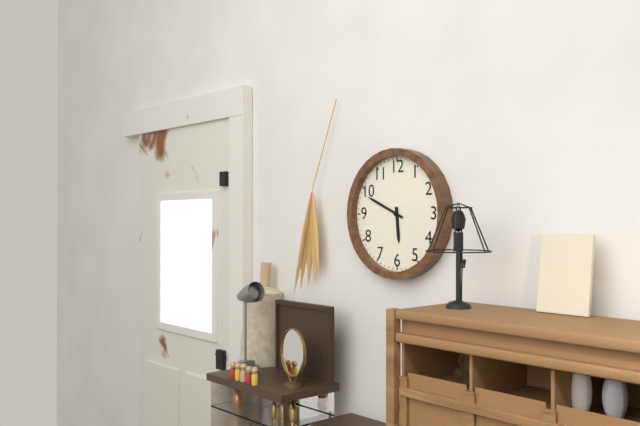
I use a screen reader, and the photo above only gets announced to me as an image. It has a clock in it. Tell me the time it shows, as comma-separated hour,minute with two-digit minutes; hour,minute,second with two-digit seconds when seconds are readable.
5,49
